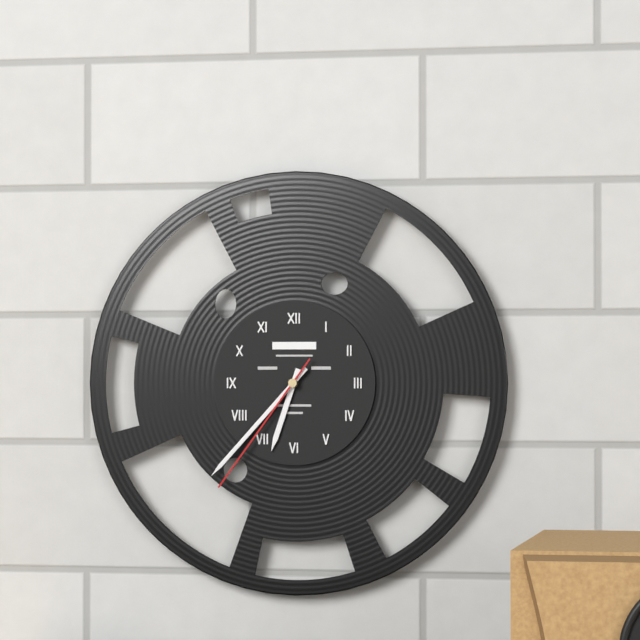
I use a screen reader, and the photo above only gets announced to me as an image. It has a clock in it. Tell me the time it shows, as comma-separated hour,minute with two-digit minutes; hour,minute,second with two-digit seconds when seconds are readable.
6,37,36
